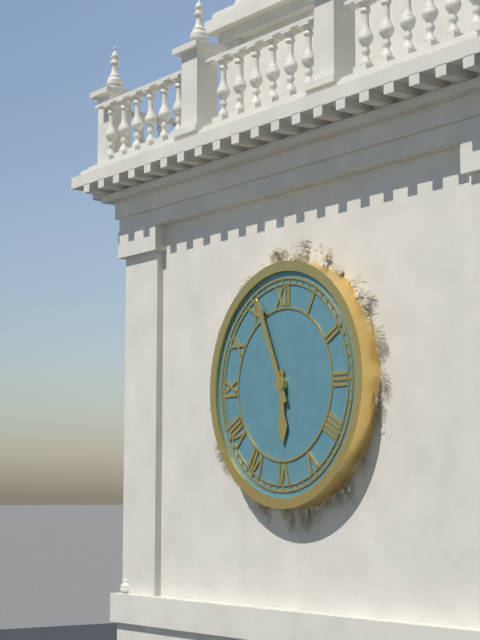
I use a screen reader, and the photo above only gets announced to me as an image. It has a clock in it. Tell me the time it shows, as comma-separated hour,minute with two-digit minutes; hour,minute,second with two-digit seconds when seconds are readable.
5,56
